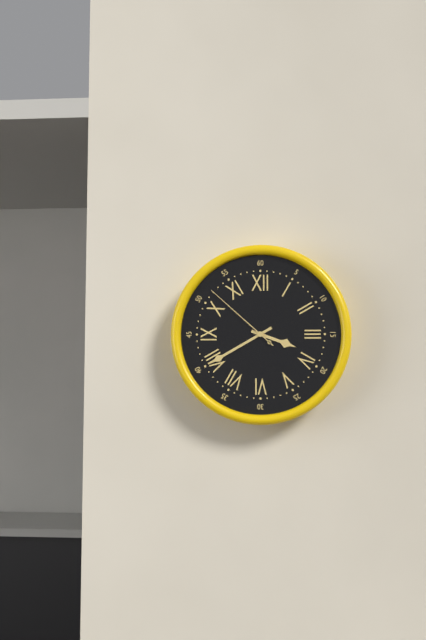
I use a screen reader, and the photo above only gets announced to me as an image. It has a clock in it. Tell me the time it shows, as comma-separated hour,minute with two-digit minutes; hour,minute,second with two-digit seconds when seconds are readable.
3,40,52
